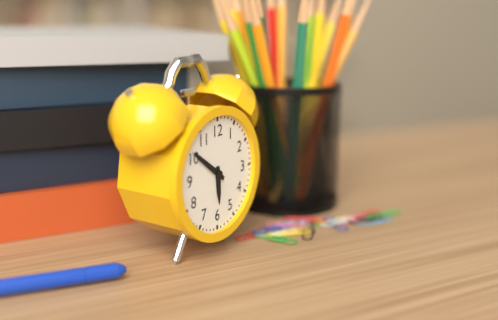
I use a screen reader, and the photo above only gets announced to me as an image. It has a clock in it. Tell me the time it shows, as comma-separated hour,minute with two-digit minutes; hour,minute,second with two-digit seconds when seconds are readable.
5,51
